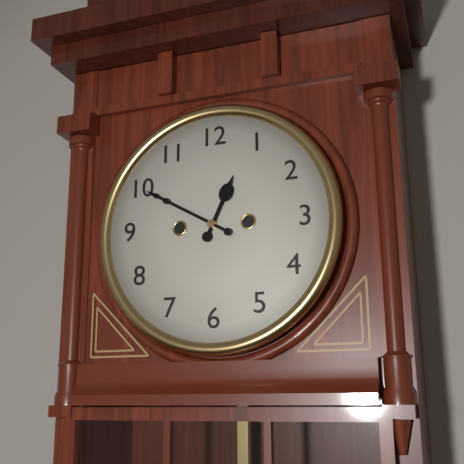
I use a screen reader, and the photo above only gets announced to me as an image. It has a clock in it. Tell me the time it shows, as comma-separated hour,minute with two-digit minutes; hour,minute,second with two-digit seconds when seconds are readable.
12,50
